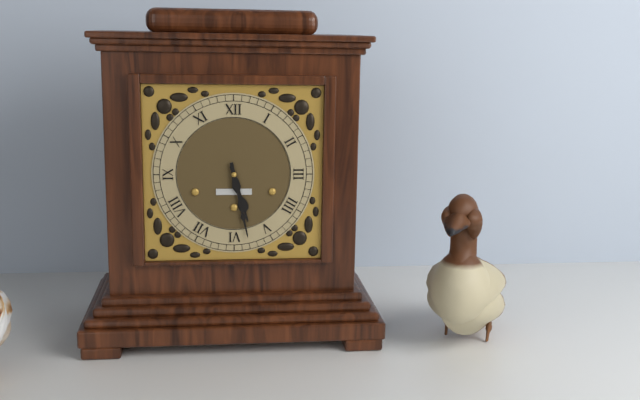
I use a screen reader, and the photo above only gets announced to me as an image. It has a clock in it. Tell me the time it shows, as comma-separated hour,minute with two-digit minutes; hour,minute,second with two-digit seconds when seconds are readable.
5,28
